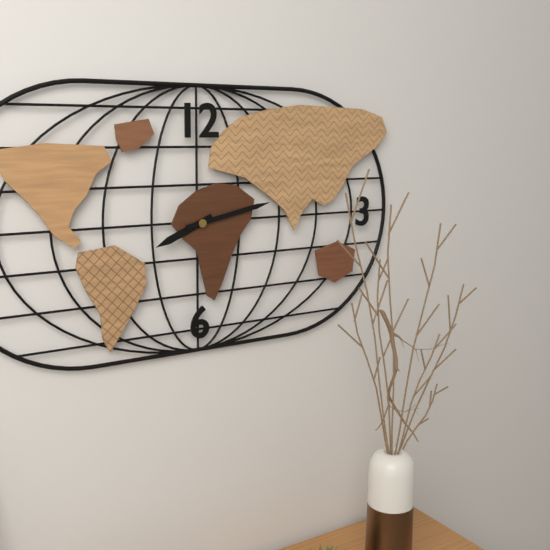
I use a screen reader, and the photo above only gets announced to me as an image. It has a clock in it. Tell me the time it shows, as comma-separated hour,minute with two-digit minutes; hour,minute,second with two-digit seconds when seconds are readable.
8,13
